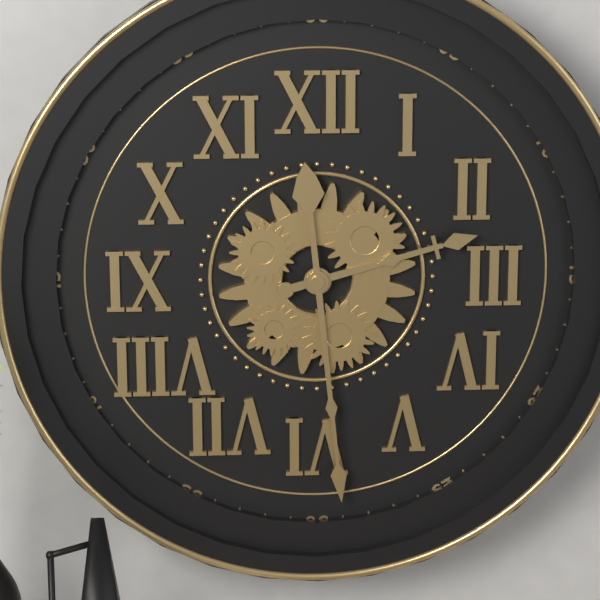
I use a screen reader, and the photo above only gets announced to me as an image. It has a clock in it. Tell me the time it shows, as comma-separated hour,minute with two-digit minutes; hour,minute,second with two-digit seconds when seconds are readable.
2,29
